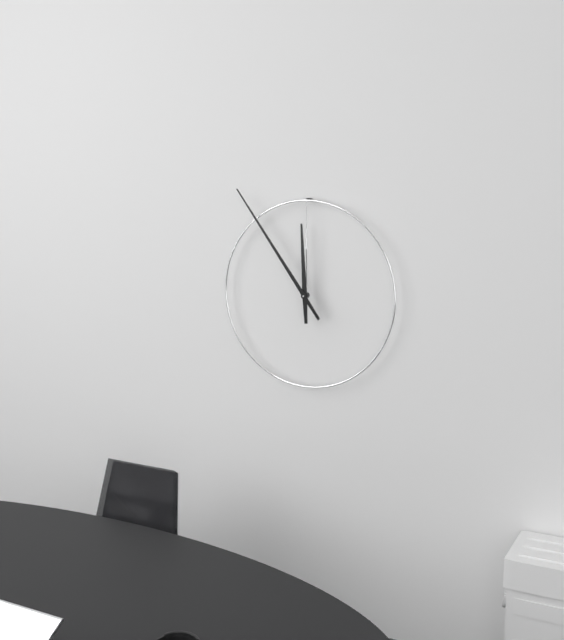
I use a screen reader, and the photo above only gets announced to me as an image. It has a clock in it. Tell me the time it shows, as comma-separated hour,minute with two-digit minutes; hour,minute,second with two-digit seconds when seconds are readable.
11,54
